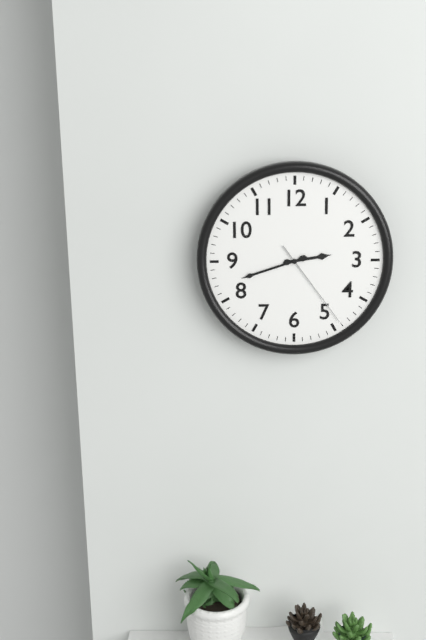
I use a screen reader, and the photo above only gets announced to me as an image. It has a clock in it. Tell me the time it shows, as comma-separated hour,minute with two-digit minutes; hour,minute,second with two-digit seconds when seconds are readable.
2,42,24
